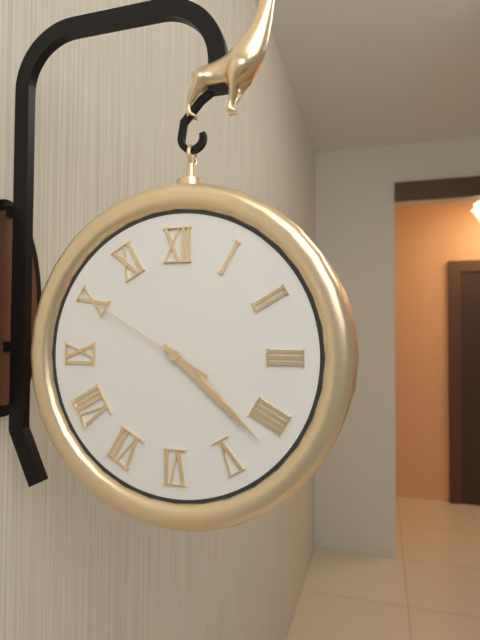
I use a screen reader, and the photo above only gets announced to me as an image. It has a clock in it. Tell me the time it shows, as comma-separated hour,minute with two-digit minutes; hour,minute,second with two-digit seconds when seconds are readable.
4,22,50
